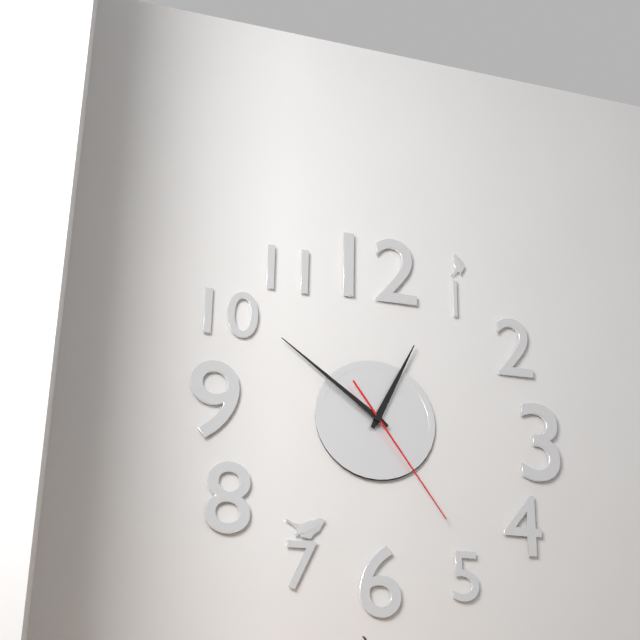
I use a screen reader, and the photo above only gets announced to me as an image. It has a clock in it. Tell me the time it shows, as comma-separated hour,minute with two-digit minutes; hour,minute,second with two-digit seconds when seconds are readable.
12,51,24
